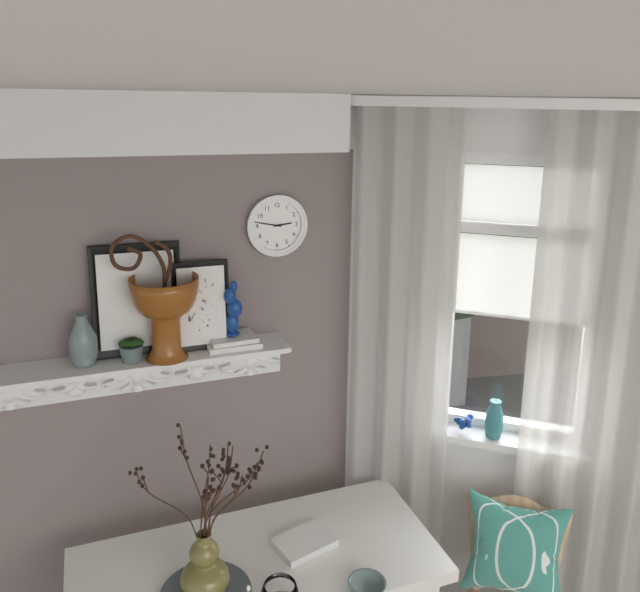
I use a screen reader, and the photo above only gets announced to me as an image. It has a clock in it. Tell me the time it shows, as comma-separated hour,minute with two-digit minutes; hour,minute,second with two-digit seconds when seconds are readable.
2,47
